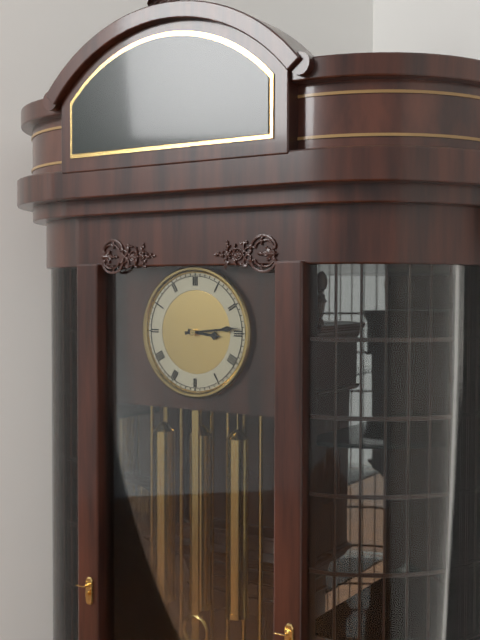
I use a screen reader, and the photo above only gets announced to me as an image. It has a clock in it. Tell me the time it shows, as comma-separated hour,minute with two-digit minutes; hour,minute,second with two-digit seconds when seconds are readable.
3,14
